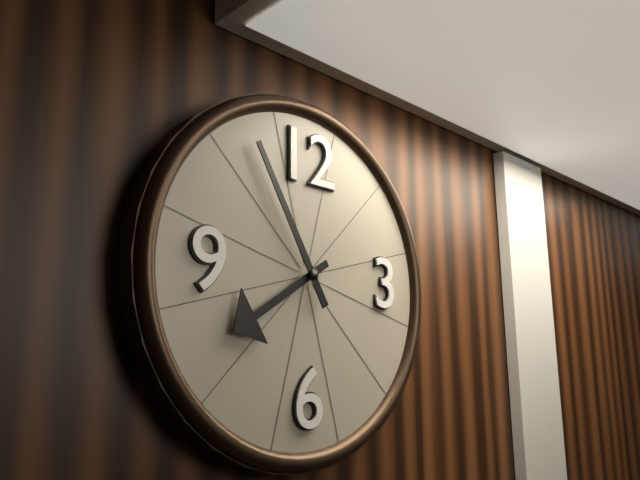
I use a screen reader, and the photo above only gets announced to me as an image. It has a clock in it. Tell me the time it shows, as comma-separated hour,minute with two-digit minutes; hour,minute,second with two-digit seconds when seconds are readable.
7,55
